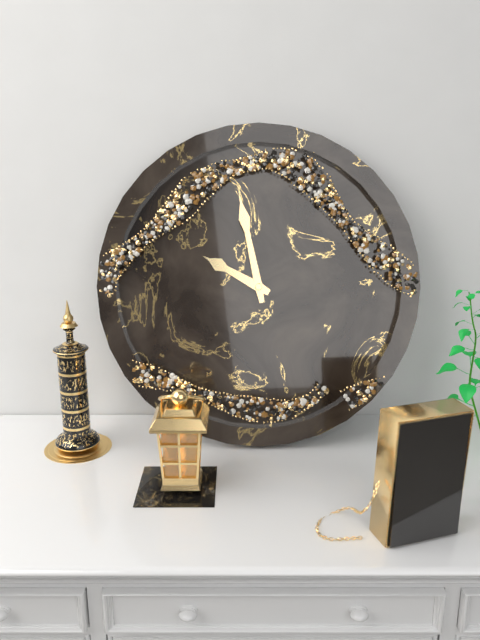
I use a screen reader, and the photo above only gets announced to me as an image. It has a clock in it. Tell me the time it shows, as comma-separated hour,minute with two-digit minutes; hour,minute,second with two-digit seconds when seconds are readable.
9,58
